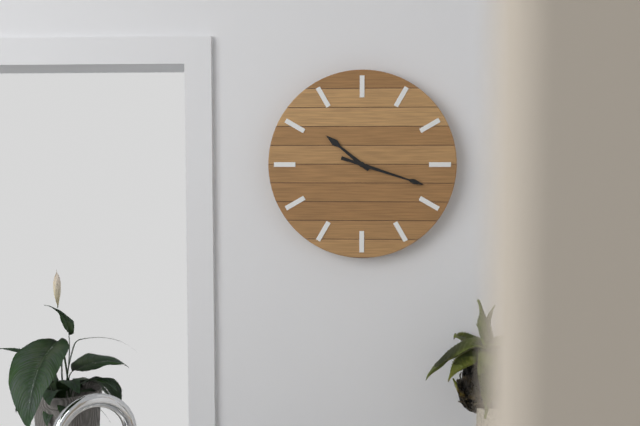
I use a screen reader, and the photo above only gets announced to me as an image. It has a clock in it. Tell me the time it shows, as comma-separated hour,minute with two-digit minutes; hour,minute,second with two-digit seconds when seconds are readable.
10,18
